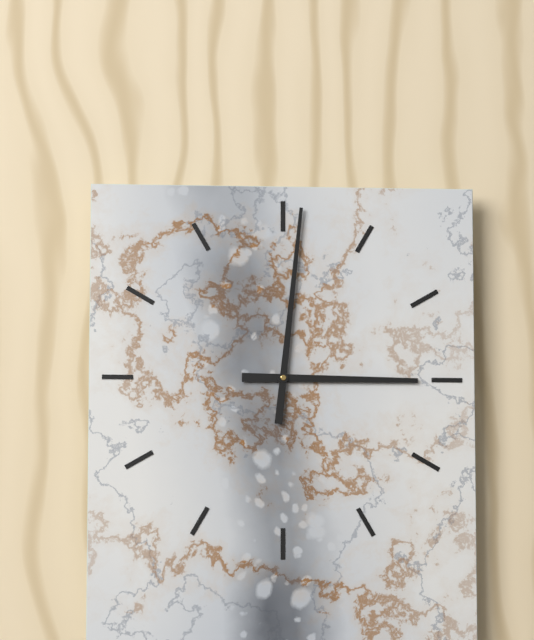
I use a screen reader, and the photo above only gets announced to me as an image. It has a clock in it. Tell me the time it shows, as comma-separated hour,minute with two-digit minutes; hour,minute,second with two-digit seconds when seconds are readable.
3,01
